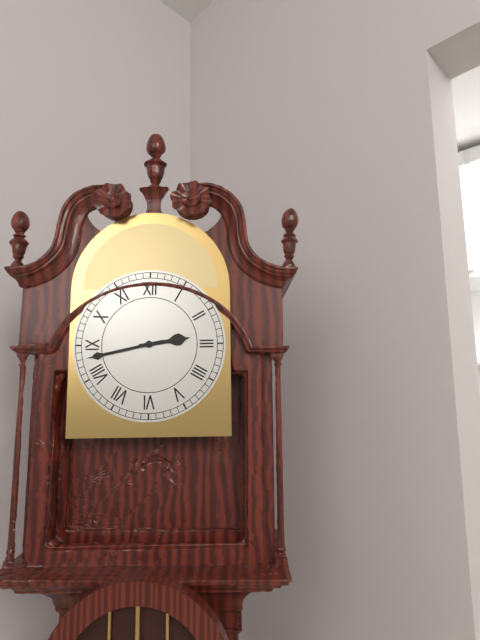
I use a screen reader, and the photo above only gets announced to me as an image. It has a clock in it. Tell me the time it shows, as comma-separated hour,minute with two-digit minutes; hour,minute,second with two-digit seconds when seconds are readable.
2,43
